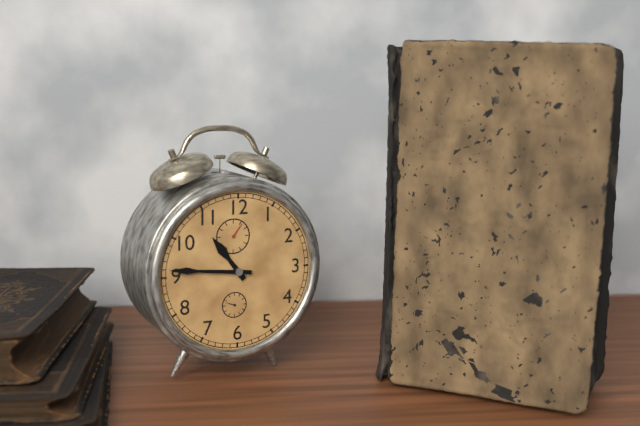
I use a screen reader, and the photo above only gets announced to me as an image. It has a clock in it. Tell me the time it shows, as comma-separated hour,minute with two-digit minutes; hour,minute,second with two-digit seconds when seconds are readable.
10,46
